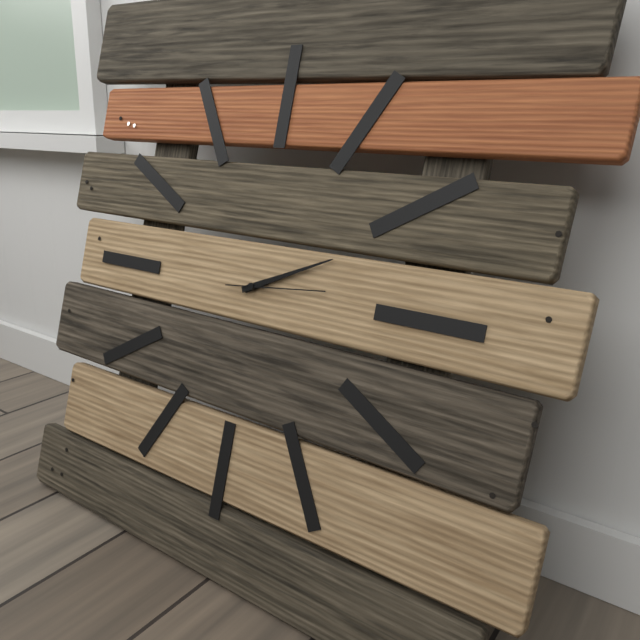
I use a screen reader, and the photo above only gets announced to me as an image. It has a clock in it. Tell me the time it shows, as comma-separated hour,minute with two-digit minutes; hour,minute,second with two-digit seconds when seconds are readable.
2,11,14
